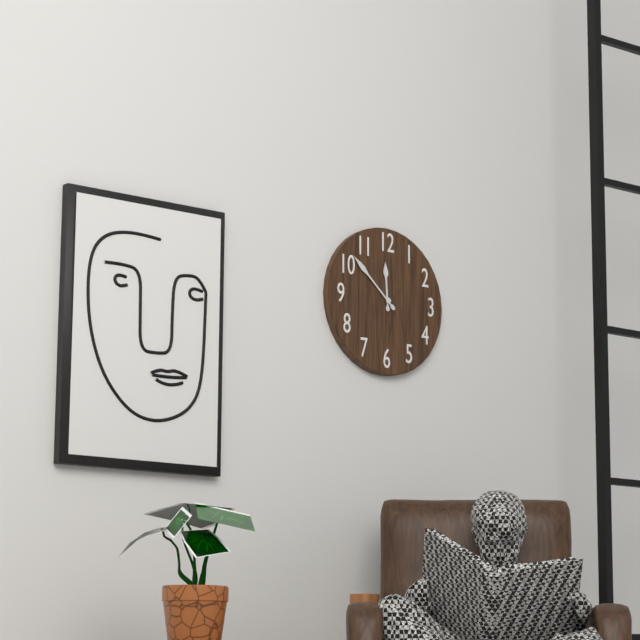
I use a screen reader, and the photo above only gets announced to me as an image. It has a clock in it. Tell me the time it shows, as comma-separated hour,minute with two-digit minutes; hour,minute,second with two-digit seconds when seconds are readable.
11,52
